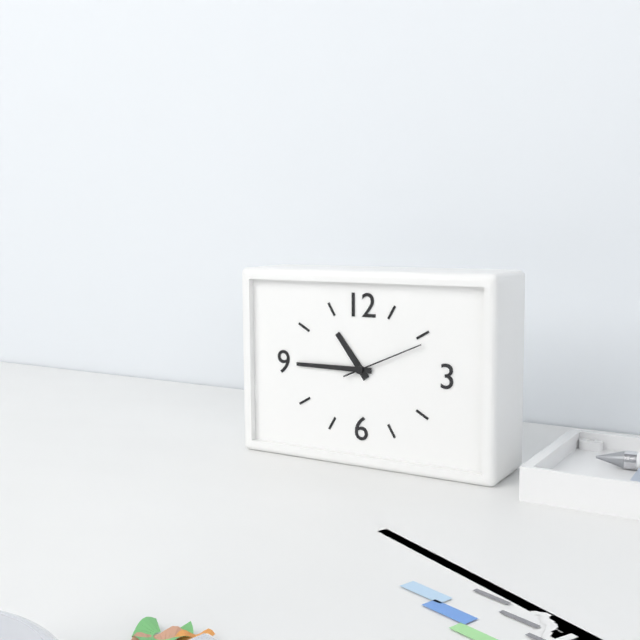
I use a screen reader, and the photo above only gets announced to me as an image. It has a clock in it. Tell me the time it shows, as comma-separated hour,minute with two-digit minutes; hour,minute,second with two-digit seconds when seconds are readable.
10,45,11
